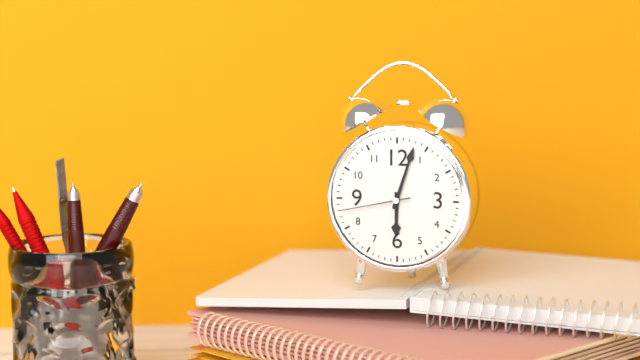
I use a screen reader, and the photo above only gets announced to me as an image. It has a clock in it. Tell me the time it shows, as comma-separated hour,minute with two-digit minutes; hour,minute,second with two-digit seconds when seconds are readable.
6,03,43
